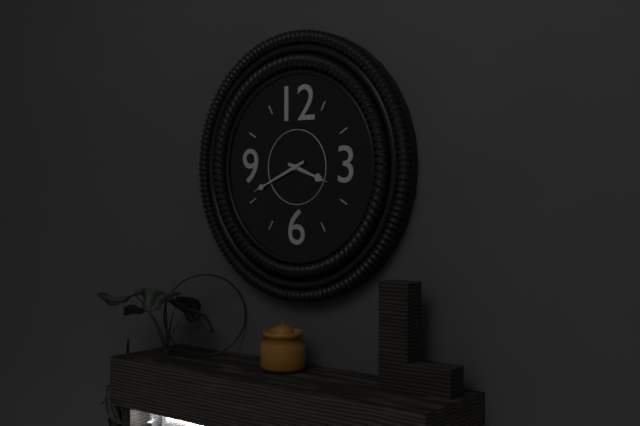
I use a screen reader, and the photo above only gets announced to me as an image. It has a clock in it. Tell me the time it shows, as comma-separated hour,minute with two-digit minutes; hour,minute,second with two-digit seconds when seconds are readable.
3,41
